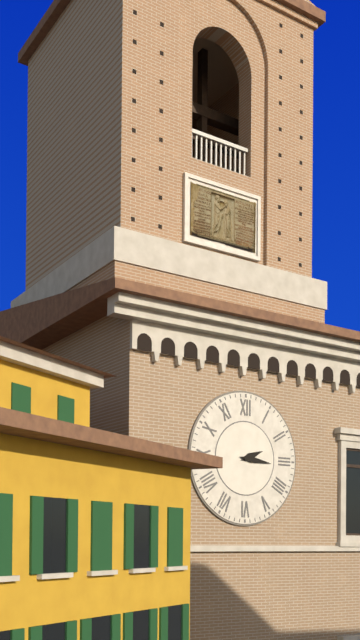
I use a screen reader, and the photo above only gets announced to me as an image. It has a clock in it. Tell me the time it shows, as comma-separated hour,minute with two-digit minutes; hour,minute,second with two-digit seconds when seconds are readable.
2,16
